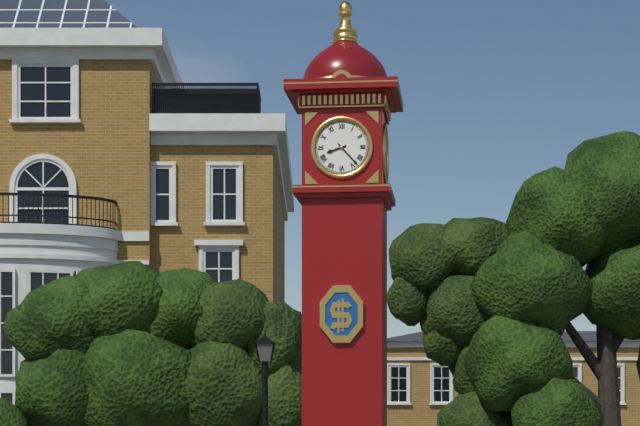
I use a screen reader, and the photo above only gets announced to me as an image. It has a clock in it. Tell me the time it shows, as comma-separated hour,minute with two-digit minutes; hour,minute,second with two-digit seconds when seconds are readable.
8,23
